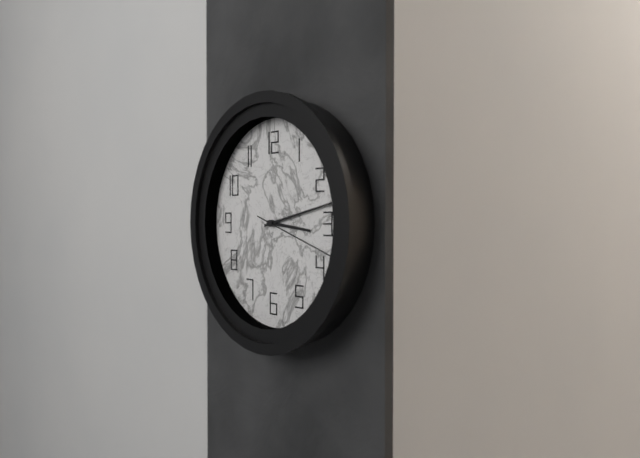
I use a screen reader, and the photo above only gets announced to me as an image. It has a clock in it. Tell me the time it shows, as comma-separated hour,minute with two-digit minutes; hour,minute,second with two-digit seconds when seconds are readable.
3,13,18
